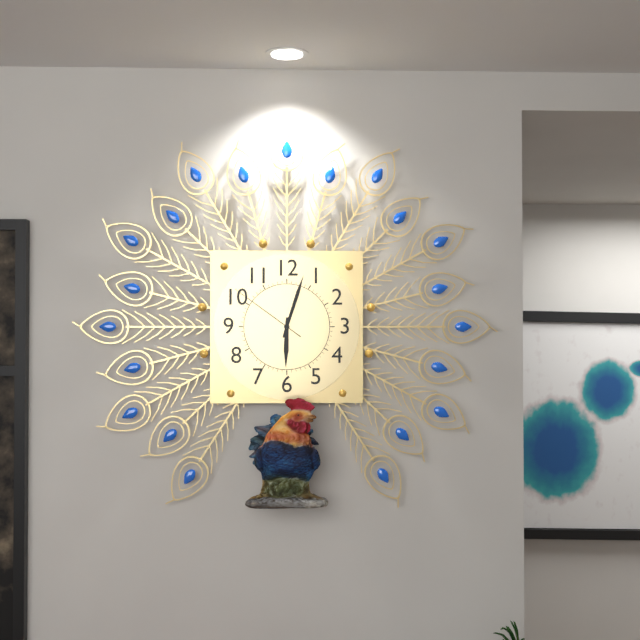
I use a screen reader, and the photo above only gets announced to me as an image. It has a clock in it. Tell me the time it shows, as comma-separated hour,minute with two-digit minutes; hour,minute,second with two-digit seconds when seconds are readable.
6,03,51
